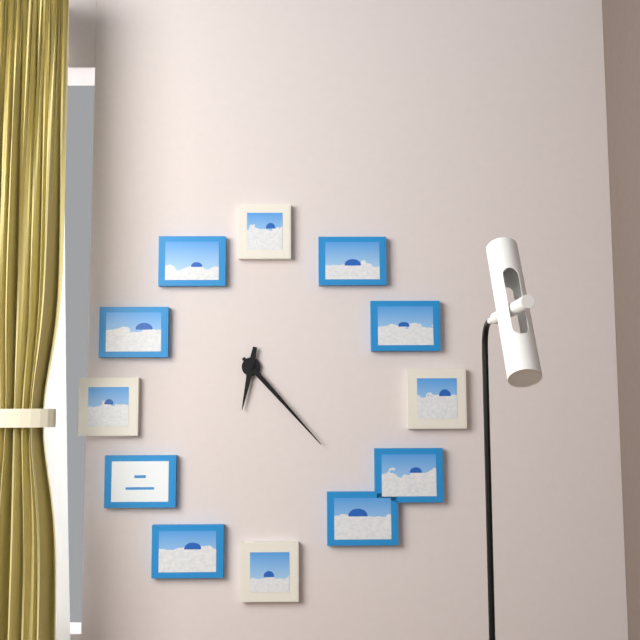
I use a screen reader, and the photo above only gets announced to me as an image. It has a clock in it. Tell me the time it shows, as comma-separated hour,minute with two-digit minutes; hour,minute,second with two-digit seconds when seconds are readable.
6,23
